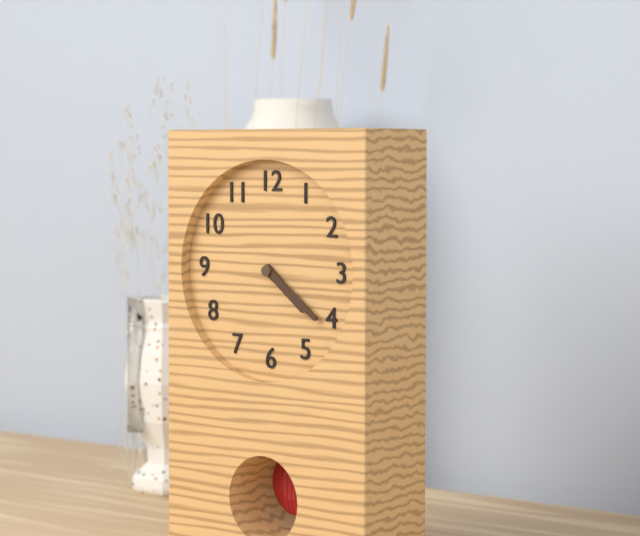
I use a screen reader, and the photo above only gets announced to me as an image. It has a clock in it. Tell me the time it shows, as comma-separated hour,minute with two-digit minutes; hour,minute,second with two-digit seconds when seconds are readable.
4,21
